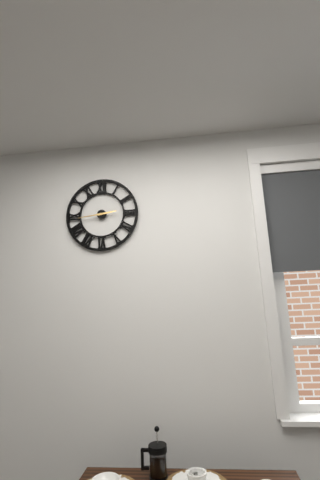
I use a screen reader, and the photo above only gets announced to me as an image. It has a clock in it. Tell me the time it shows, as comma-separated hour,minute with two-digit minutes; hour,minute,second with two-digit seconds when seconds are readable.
2,44
